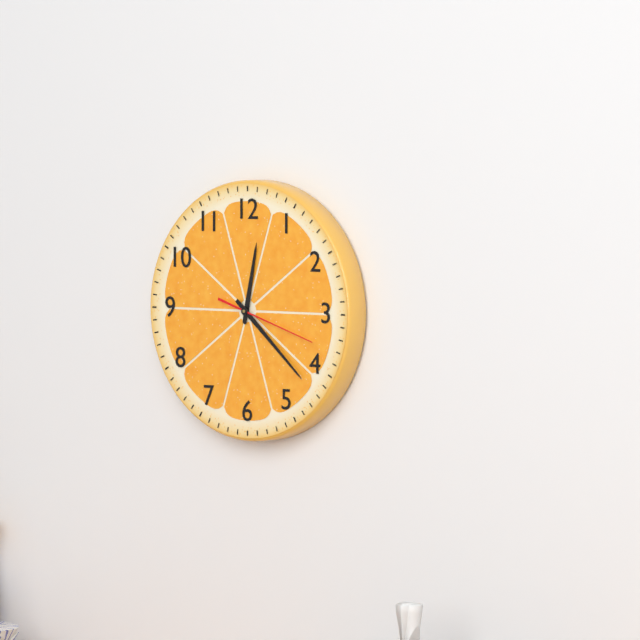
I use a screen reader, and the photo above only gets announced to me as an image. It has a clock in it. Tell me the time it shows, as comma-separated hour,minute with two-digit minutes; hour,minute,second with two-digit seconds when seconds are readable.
12,22,18
